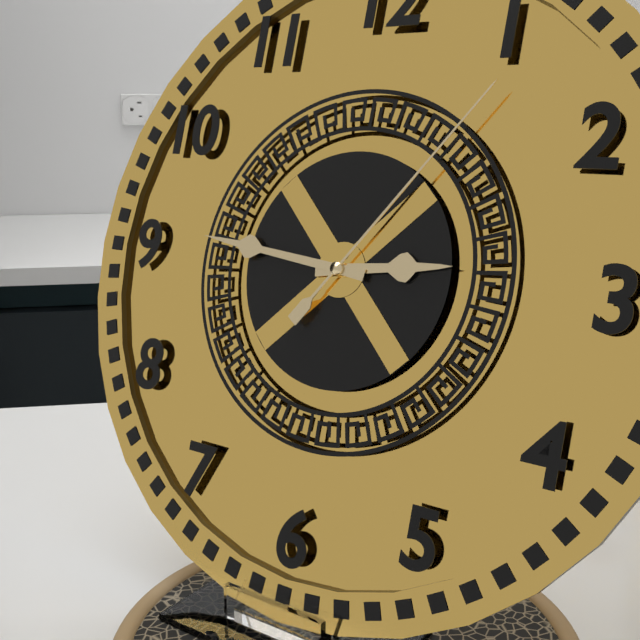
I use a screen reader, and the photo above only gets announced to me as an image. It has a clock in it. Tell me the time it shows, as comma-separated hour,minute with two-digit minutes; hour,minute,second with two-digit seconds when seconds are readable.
2,46,06
